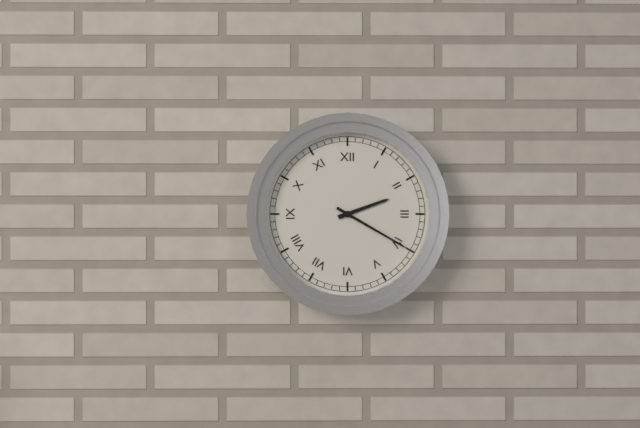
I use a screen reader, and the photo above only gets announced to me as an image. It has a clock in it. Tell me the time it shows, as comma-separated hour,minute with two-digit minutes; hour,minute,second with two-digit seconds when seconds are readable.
2,20
